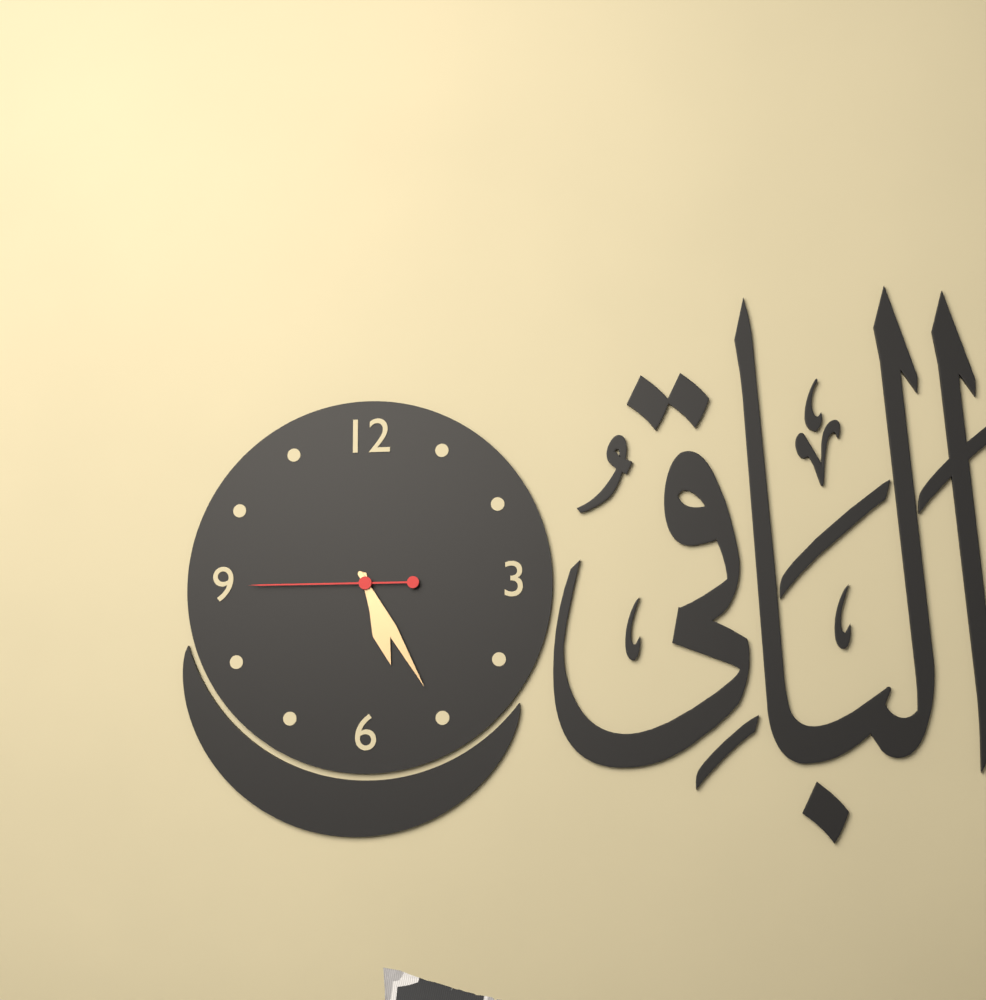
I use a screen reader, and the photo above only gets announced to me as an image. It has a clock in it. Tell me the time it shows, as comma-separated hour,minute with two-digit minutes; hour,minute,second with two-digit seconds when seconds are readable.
5,25,45
